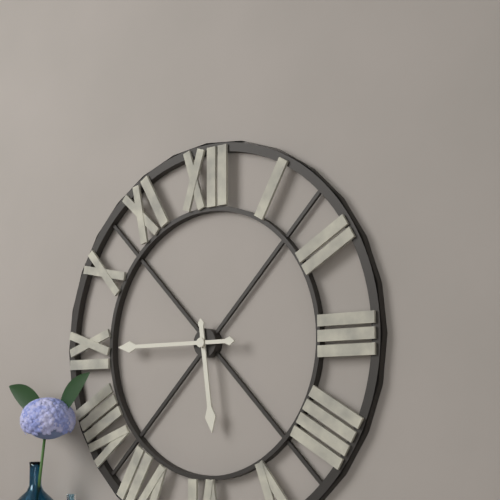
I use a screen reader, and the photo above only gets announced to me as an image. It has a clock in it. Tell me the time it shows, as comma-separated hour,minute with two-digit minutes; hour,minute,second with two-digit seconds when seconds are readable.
5,45
